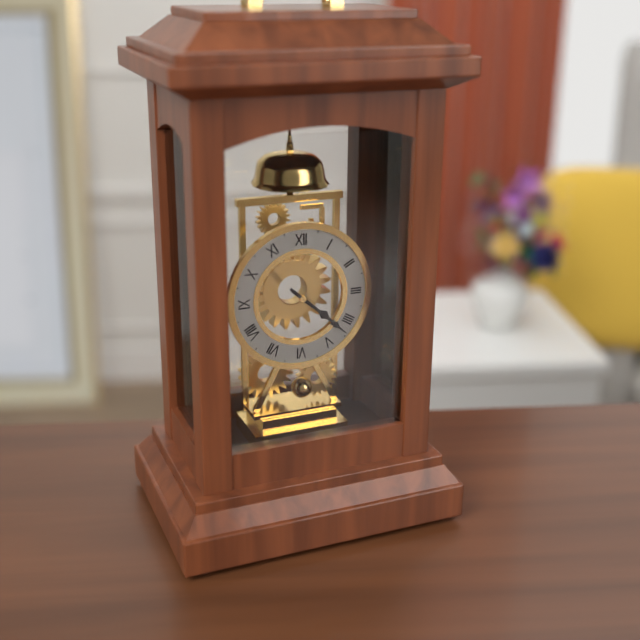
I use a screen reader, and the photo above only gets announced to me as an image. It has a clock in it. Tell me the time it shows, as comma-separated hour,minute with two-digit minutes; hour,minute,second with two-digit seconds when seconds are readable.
4,22
